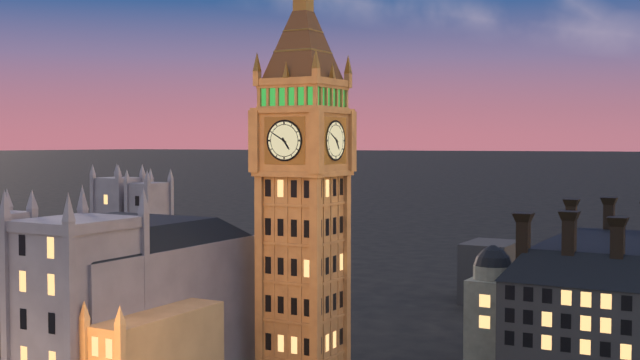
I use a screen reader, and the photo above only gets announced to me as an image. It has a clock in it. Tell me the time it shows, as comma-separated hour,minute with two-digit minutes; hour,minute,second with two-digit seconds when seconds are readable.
4,50
